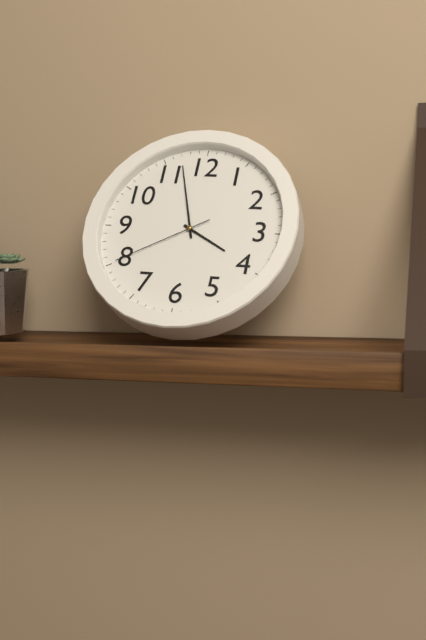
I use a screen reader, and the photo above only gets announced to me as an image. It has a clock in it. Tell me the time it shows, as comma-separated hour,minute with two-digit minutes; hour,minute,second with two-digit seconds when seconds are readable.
3,57,40
